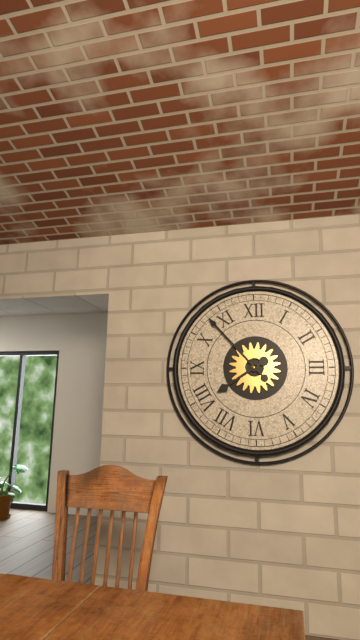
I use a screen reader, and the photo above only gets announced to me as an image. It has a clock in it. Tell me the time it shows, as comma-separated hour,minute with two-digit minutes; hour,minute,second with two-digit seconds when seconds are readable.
7,53
